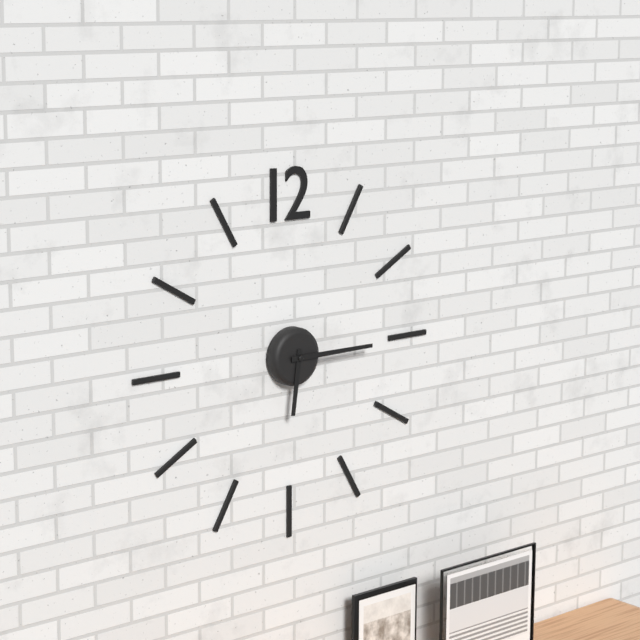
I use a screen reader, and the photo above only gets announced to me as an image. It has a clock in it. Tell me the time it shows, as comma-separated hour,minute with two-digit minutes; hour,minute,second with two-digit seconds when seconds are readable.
6,15
